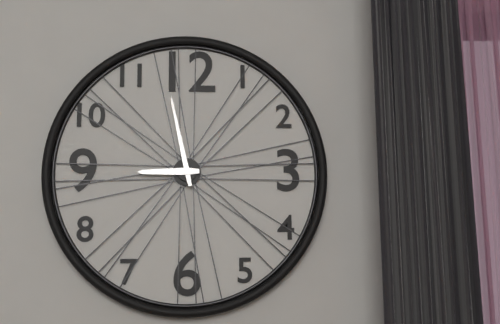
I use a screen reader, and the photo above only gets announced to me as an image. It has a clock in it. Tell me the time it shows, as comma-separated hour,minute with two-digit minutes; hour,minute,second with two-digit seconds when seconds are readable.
8,58
